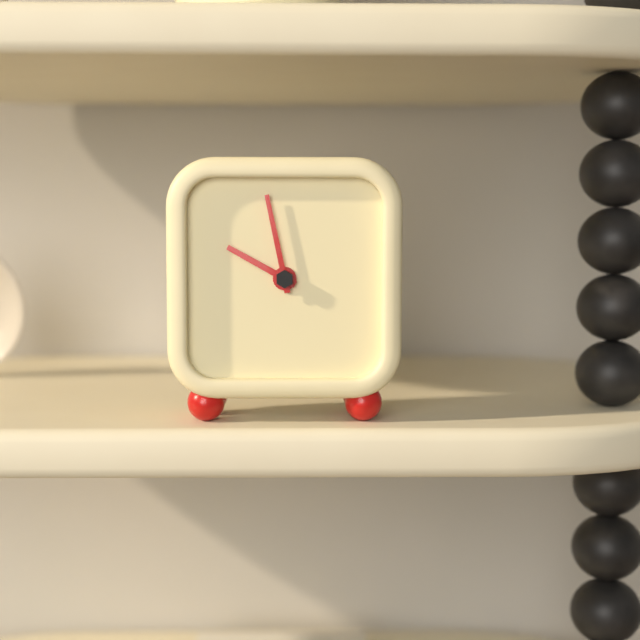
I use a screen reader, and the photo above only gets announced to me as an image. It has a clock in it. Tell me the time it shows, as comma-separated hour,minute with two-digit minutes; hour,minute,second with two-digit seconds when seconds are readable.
9,58
